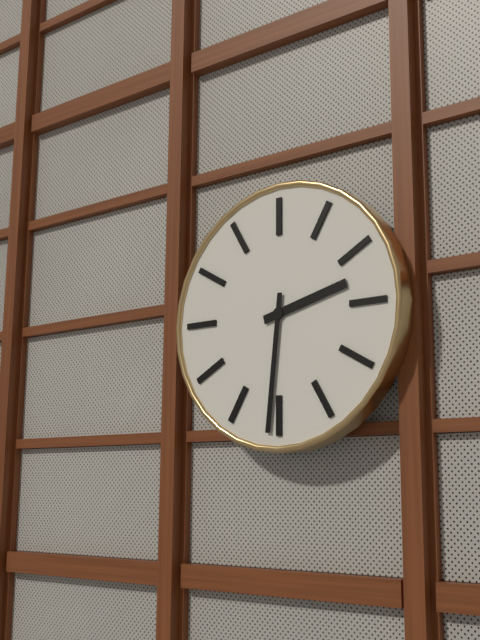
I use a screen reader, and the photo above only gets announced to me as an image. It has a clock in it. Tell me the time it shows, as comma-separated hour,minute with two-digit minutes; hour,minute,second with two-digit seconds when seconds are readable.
2,31
